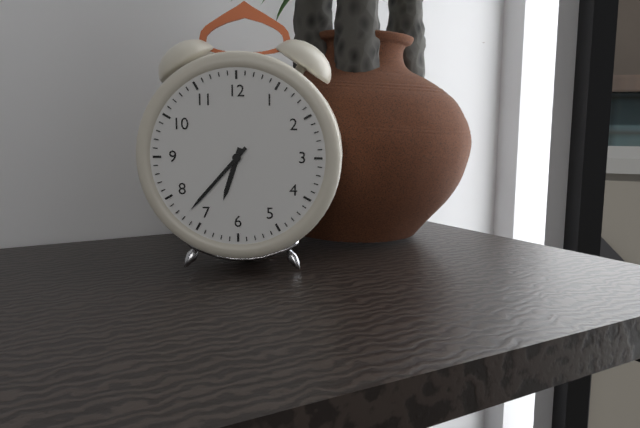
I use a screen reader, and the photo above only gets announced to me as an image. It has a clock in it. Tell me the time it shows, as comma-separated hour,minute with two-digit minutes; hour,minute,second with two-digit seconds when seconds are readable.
6,37
